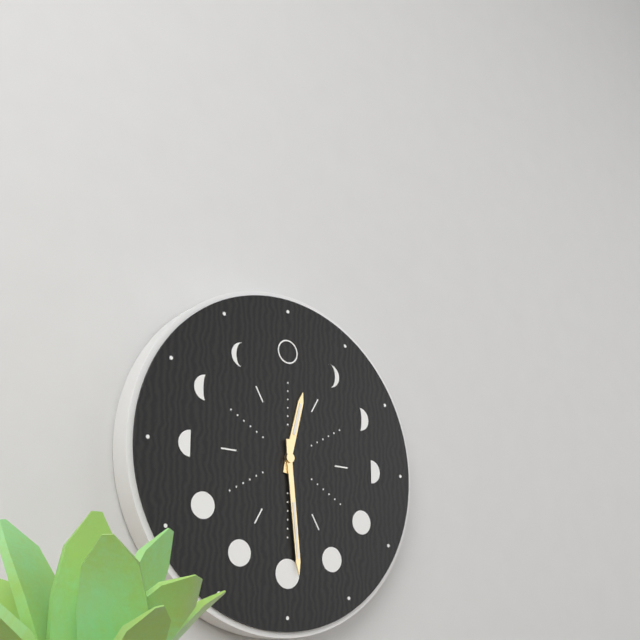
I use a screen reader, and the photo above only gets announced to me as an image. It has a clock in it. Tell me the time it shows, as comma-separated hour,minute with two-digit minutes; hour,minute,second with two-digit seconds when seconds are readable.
12,29
